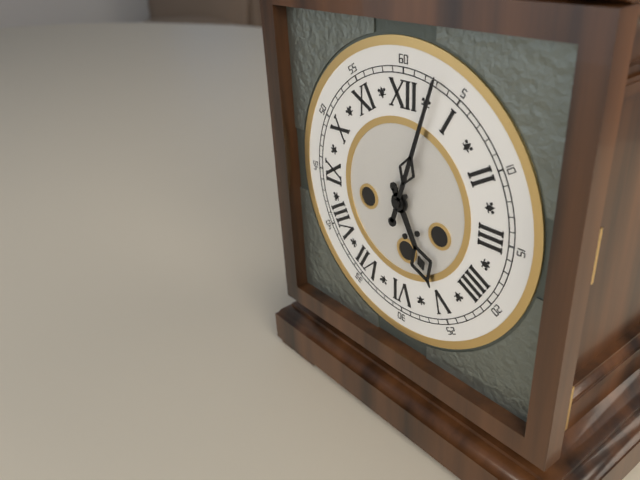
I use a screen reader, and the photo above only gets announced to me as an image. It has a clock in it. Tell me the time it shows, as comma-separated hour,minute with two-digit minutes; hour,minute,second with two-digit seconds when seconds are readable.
5,03
